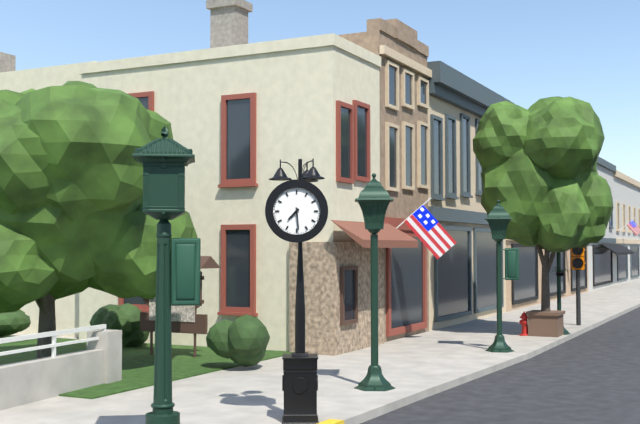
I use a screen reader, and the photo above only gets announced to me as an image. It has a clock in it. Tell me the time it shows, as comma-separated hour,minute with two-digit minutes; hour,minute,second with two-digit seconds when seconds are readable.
7,29
